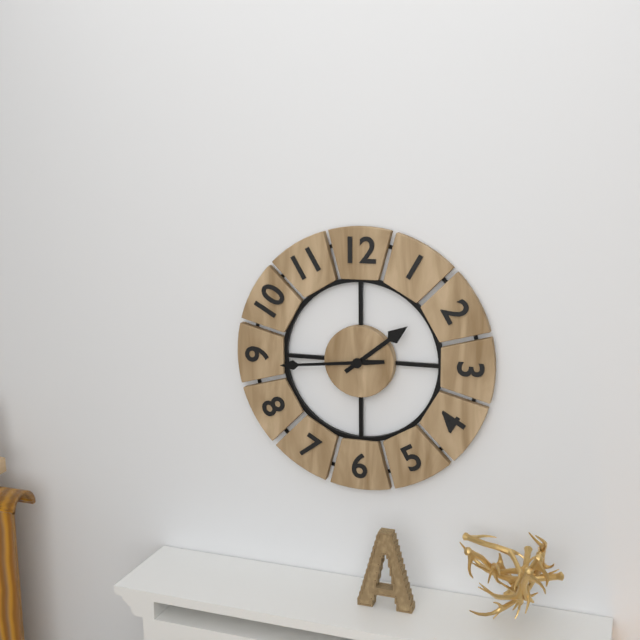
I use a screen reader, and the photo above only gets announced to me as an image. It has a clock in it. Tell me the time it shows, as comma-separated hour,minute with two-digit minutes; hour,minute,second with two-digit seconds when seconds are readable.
1,44
